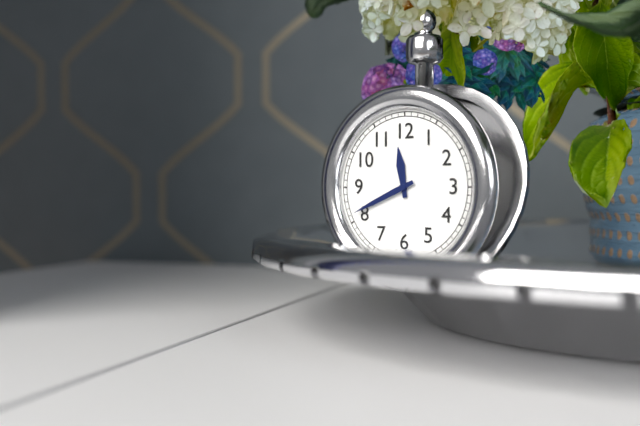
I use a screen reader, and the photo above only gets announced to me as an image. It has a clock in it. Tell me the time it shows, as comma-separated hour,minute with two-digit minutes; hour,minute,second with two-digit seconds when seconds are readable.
11,41
